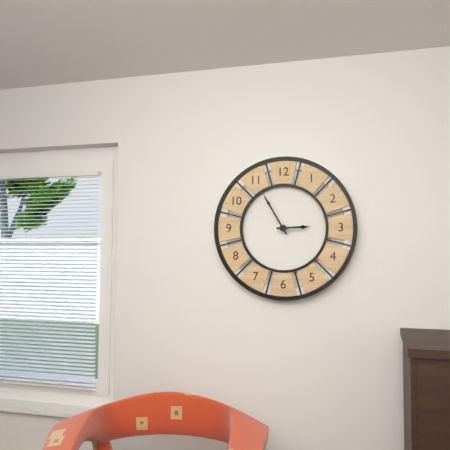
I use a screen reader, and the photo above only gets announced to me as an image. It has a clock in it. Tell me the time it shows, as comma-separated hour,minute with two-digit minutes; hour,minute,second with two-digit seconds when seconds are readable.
2,55
